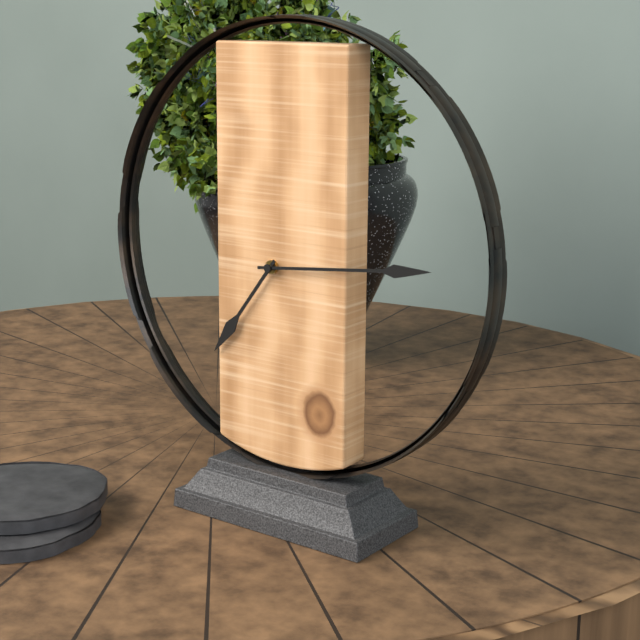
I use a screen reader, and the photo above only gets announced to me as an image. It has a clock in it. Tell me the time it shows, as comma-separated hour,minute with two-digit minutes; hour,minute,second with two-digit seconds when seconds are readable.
7,14
